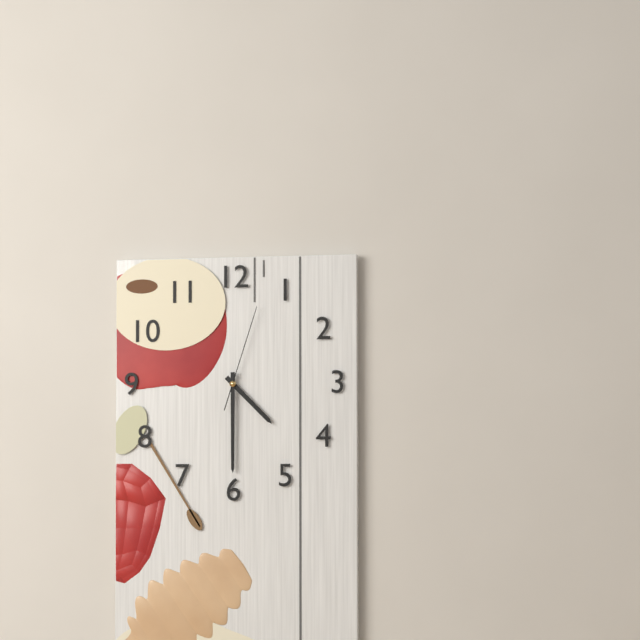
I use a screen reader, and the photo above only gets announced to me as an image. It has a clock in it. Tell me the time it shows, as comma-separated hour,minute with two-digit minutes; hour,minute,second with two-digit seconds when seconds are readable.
4,30,03
